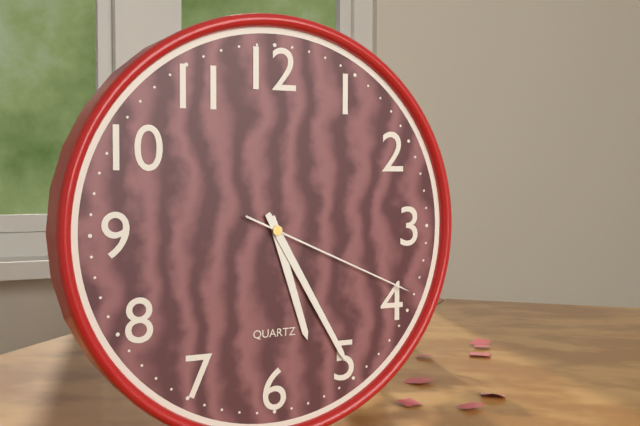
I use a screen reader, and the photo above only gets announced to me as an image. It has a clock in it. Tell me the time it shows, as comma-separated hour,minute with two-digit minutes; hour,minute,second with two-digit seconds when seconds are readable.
5,25,19
